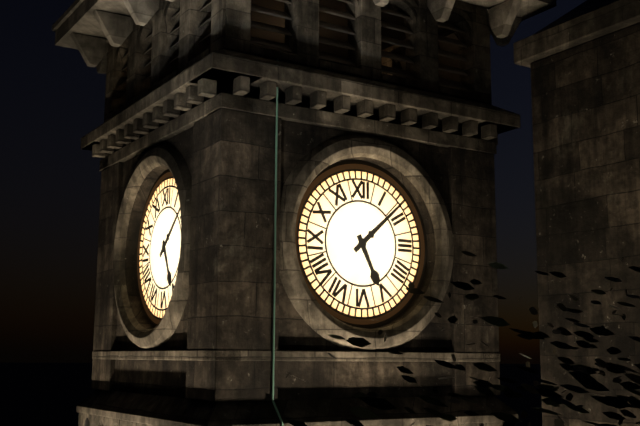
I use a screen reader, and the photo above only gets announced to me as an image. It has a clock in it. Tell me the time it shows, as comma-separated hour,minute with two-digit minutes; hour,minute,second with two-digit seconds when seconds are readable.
5,08
